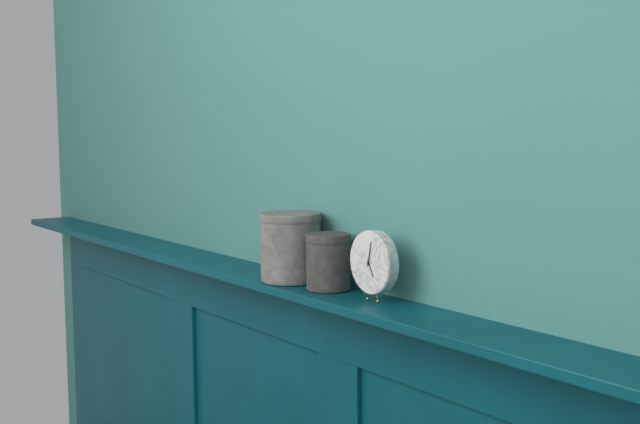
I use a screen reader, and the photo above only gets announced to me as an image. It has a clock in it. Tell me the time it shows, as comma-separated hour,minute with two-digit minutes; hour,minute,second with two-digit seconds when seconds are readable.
5,02
